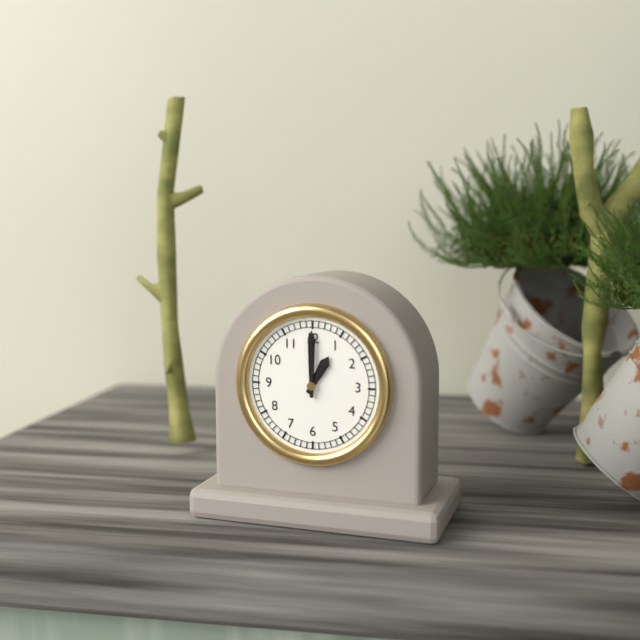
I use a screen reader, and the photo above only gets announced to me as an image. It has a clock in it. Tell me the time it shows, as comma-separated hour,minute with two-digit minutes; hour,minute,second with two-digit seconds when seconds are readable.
1,00
